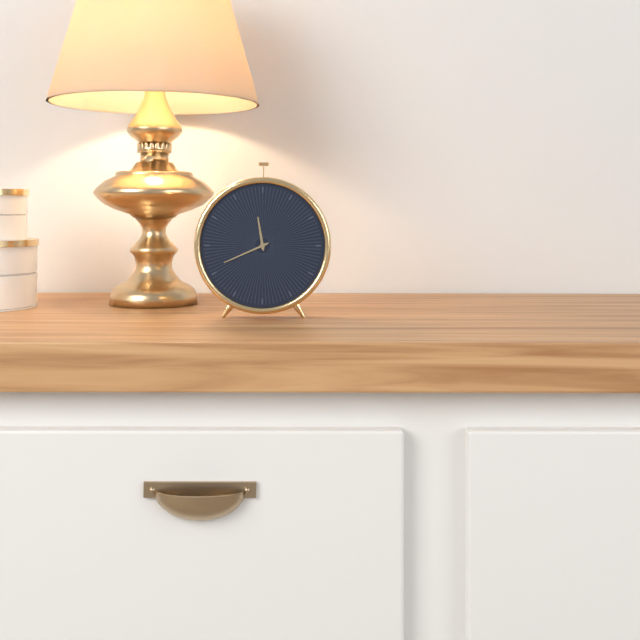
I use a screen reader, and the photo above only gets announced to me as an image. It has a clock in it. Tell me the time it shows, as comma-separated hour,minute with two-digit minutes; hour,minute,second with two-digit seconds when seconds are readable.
11,41
